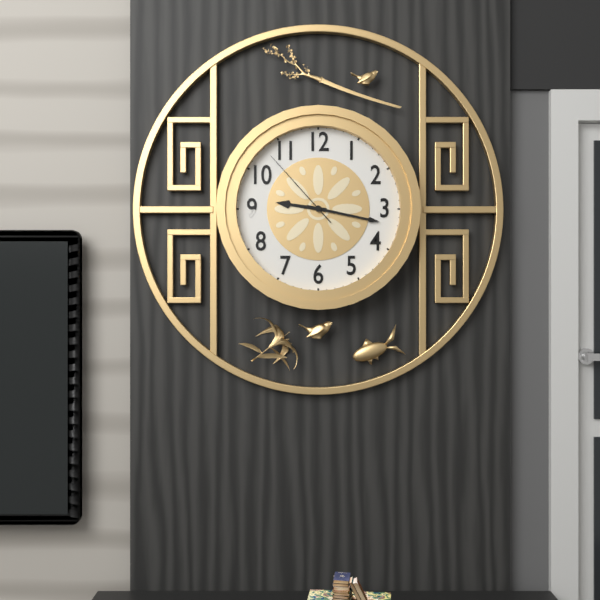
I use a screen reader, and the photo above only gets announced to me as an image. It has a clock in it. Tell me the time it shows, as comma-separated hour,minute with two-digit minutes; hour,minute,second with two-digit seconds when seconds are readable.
9,17,53
